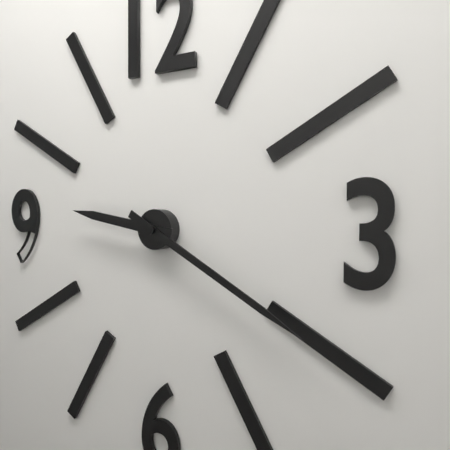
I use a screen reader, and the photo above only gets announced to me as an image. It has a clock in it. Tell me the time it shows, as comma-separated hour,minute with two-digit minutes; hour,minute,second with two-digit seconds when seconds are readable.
9,20
